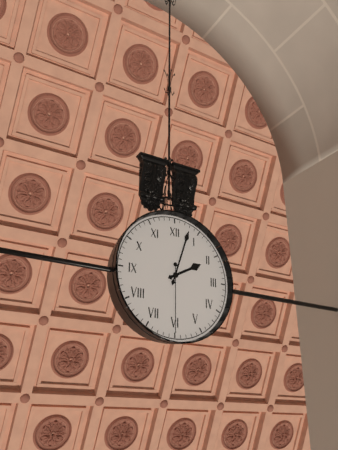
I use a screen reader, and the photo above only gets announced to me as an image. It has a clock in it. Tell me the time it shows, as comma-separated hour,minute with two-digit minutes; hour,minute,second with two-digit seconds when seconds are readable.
2,03,30
